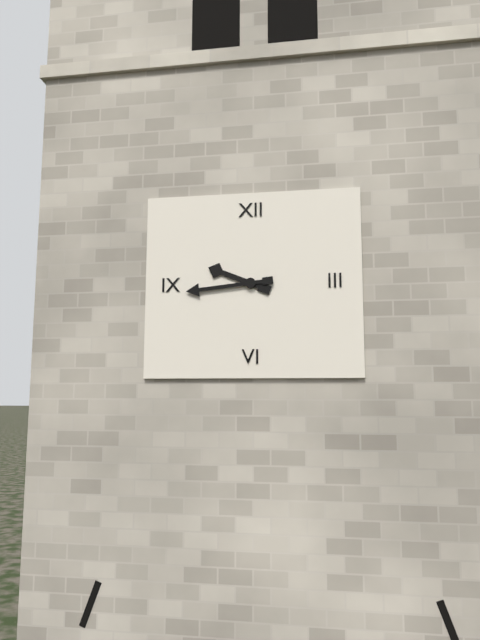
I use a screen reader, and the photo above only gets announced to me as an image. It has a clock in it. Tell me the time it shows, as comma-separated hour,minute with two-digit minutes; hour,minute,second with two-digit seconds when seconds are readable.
9,44
